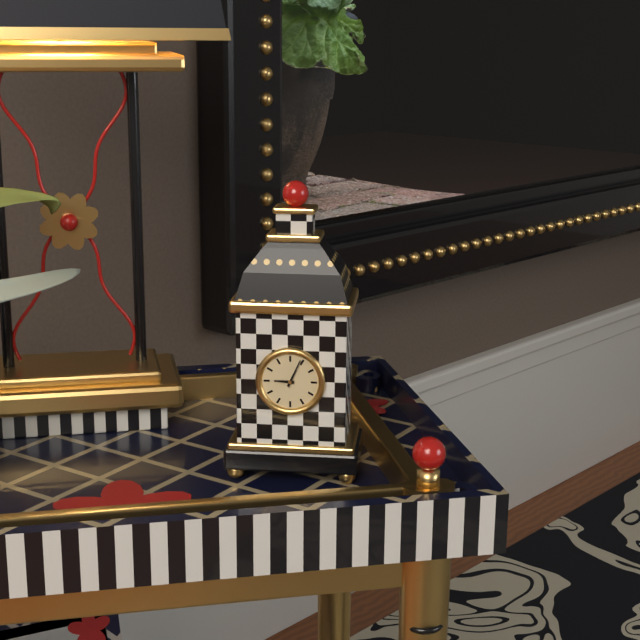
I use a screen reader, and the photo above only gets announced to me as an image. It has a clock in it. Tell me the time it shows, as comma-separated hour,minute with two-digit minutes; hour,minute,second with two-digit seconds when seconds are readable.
9,04
